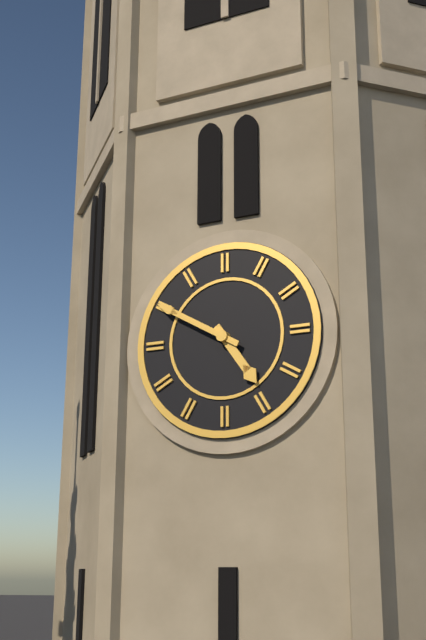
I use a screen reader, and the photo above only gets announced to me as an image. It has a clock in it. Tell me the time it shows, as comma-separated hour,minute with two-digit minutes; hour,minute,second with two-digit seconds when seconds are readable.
4,50
